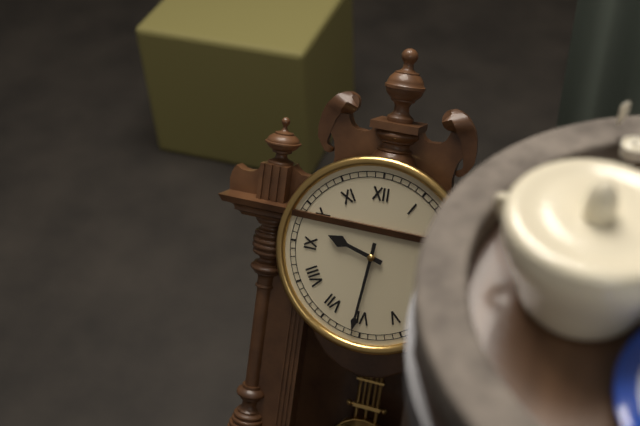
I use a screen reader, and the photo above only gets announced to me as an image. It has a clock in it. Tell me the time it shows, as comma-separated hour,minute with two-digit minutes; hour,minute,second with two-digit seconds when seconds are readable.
9,31
